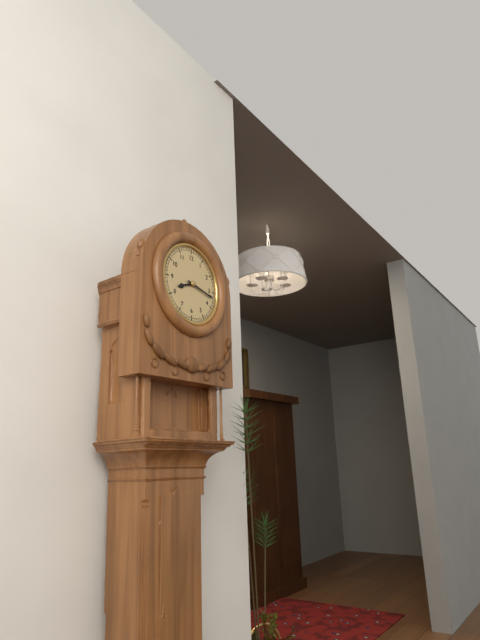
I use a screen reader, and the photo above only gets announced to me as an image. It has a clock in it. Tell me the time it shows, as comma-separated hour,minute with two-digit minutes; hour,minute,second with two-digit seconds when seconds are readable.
8,17
